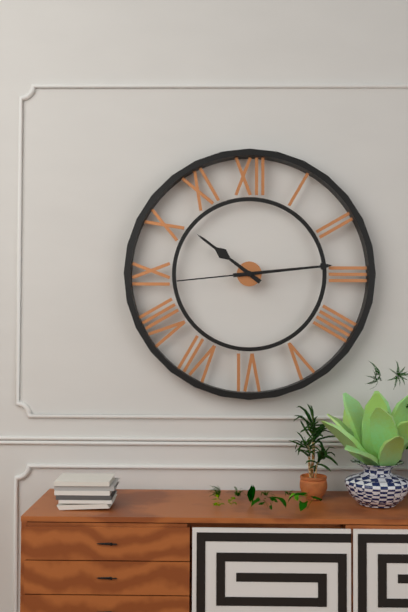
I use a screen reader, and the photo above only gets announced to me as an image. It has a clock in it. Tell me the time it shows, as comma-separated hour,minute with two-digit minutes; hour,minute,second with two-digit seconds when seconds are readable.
10,14,44
